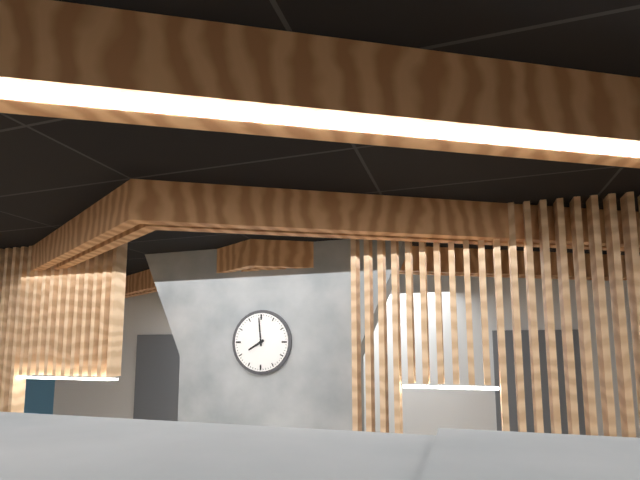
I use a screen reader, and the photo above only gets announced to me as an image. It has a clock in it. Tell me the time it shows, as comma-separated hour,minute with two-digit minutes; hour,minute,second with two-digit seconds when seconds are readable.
7,59
